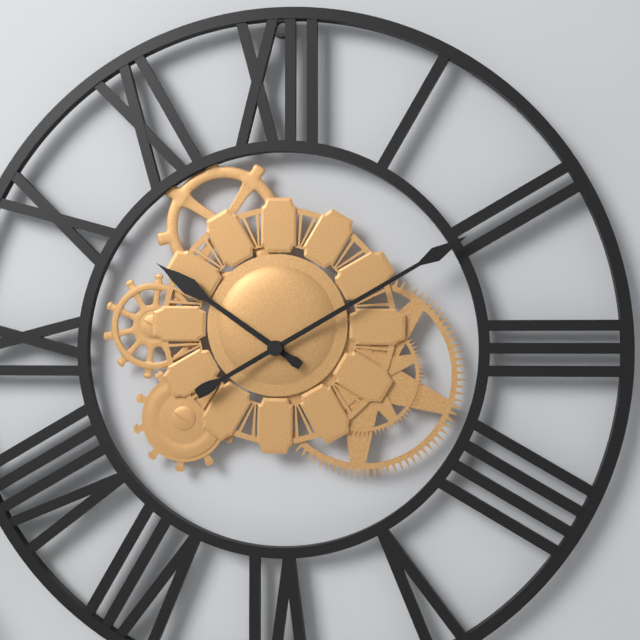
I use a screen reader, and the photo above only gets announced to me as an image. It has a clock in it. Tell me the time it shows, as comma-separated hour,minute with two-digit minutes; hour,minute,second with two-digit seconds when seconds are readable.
10,10
